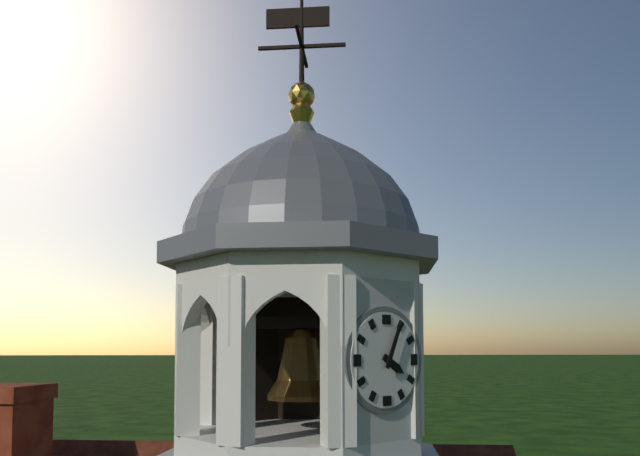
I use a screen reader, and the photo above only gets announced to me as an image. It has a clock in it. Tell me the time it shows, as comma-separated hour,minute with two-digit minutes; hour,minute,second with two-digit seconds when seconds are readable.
4,04
